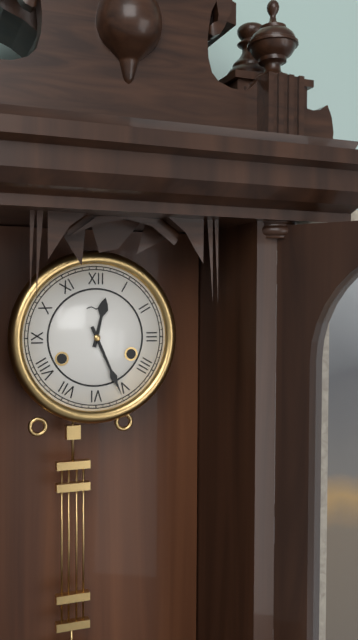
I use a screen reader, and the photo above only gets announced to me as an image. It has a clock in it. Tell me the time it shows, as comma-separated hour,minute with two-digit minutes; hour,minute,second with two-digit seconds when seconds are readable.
12,26
